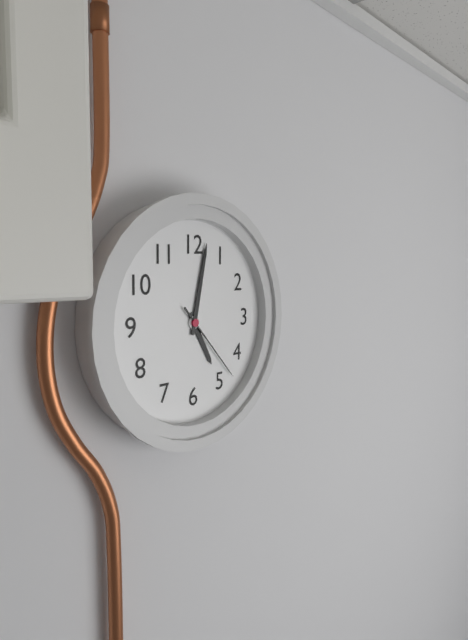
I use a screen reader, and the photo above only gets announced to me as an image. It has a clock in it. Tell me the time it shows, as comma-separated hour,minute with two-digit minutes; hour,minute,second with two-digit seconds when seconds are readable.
5,02,23
